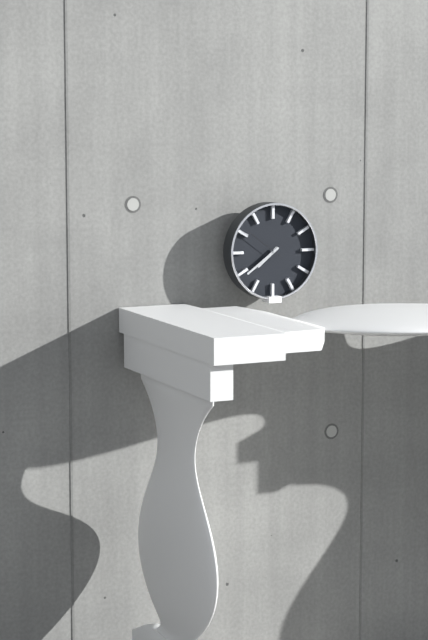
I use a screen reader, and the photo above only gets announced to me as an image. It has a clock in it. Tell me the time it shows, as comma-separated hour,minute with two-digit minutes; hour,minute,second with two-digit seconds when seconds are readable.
7,39
